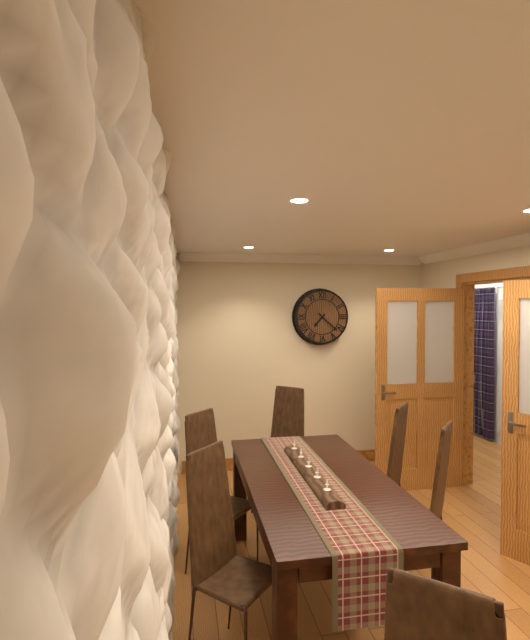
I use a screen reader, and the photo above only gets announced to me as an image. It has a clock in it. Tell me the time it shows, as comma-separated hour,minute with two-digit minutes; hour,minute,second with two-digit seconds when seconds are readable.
7,22
